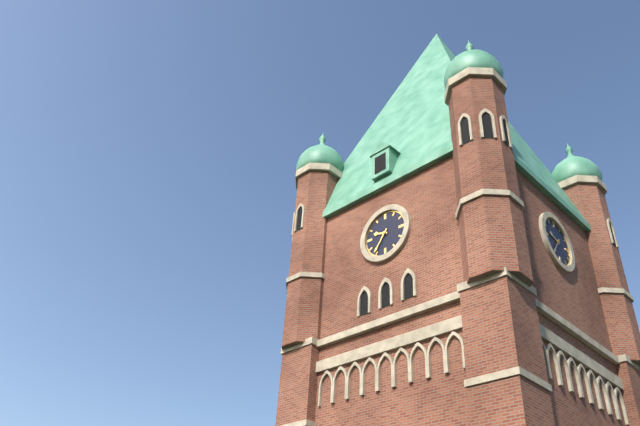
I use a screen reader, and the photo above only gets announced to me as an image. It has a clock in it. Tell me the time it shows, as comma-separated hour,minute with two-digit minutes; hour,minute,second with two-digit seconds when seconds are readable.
9,36
